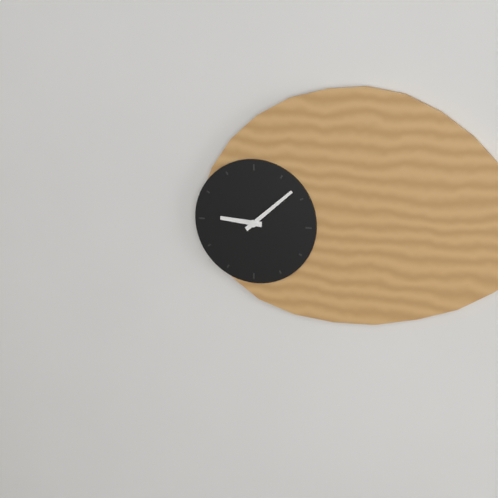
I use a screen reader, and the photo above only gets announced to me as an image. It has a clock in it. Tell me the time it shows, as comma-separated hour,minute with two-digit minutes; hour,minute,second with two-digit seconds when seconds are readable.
9,08
